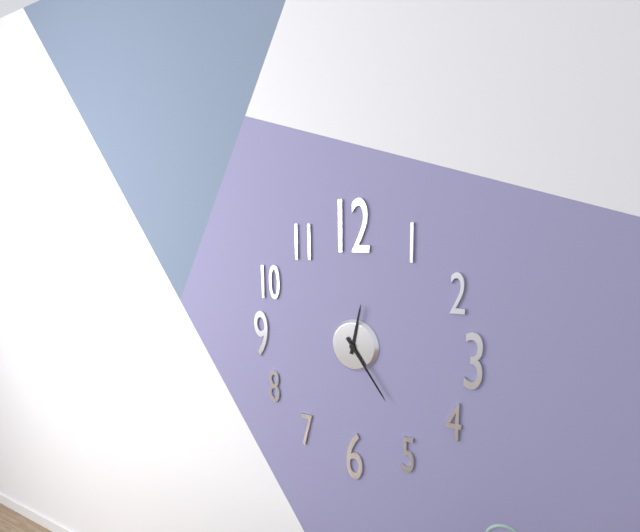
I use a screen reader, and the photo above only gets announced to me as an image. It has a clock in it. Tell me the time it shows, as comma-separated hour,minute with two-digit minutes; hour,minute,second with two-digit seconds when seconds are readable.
12,24
